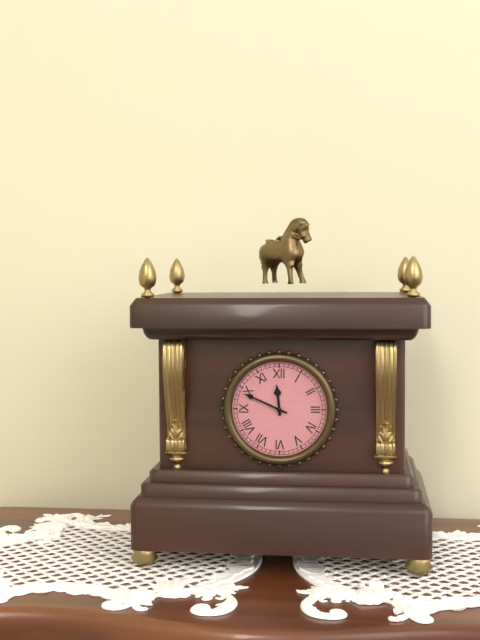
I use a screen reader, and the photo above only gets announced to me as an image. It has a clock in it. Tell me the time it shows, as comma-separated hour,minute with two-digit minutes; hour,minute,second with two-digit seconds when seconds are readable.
11,49
